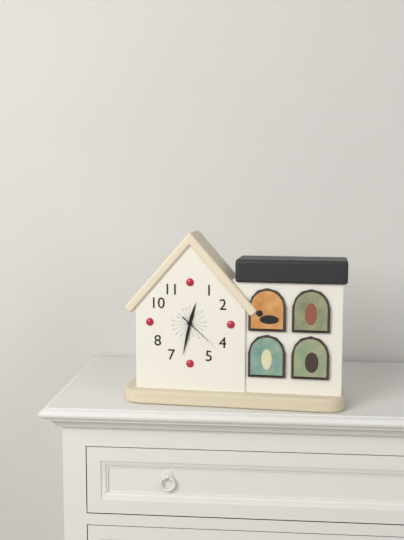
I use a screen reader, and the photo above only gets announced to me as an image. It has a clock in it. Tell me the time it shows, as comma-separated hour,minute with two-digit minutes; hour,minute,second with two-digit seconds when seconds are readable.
12,32
